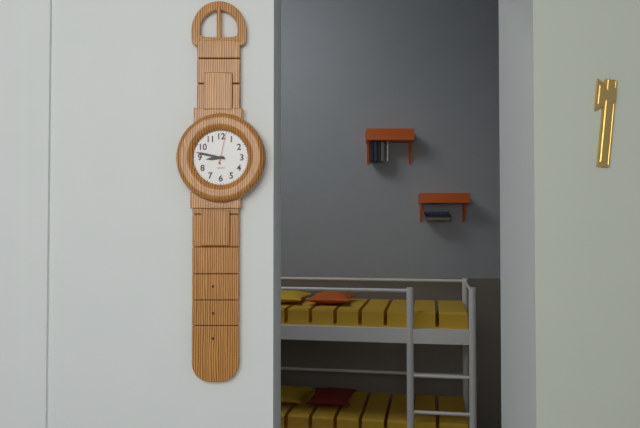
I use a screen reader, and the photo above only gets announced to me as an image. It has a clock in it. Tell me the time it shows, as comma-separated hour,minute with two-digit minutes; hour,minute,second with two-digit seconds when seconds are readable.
8,47
